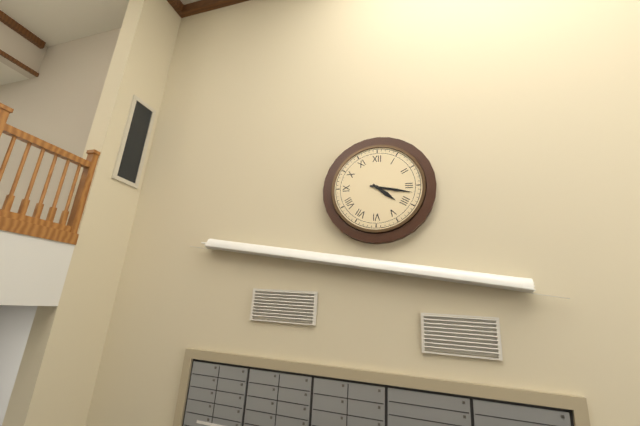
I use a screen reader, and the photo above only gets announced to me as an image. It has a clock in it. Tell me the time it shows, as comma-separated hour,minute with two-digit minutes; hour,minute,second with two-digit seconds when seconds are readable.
4,17
